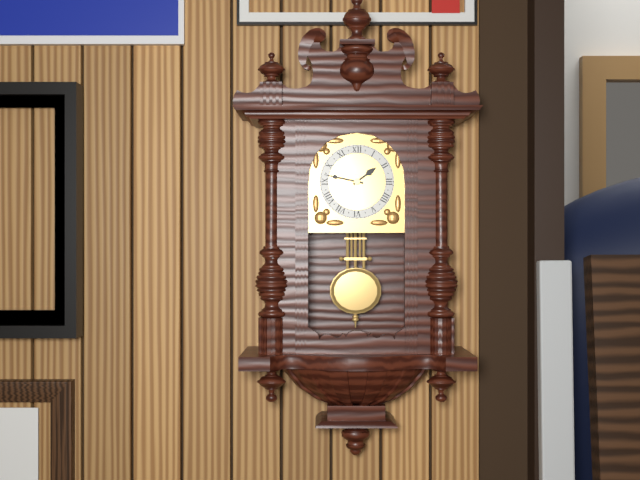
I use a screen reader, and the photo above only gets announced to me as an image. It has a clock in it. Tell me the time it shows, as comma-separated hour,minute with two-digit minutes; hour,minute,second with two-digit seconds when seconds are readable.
1,47
